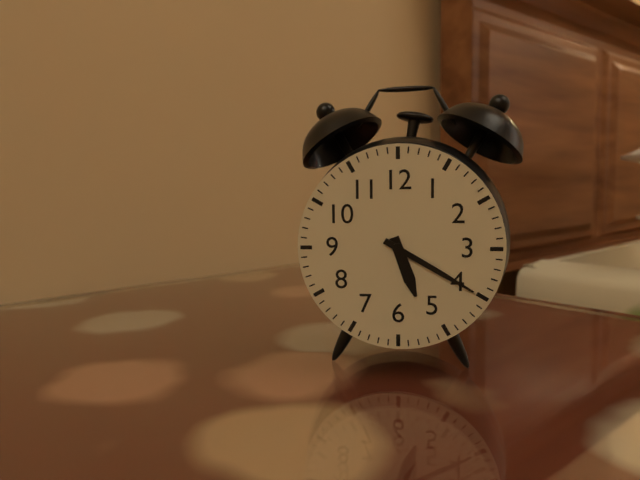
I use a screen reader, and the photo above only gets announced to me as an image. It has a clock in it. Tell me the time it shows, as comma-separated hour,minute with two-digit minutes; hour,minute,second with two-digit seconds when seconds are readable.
5,20
